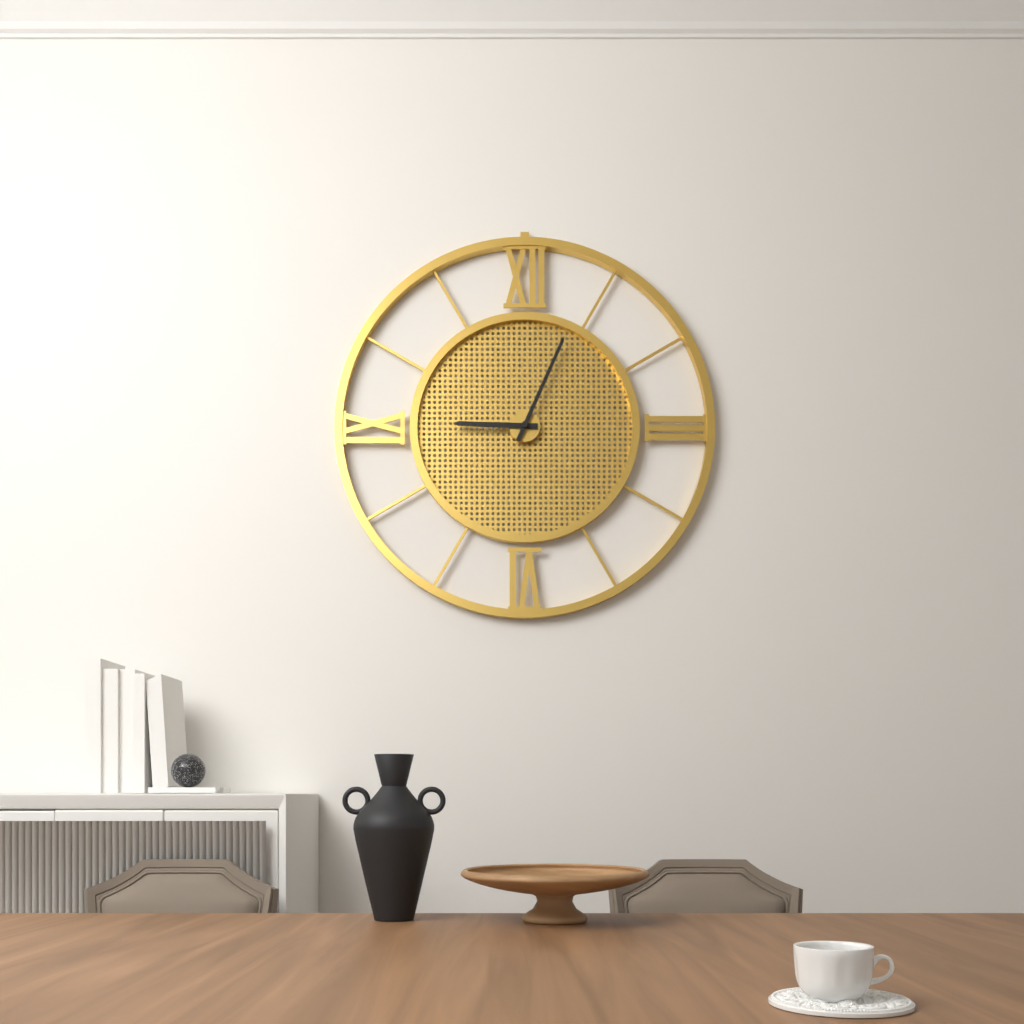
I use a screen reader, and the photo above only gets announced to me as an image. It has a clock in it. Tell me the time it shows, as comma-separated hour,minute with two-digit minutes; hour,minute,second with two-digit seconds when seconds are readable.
9,04
